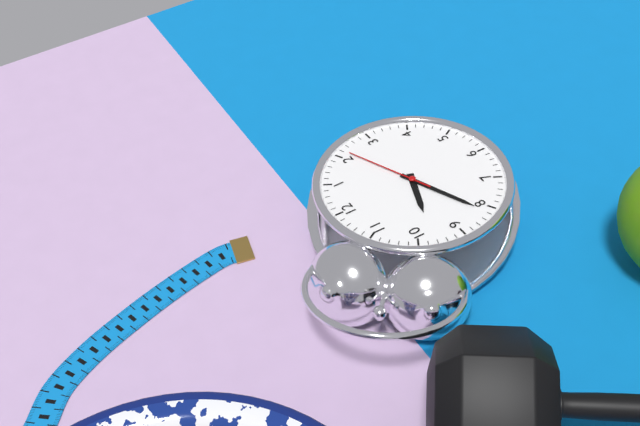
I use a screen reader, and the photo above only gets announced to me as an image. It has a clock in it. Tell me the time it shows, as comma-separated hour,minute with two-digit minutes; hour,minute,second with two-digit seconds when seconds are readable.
9,41,11
